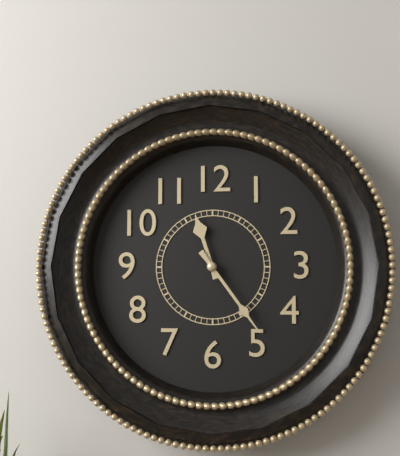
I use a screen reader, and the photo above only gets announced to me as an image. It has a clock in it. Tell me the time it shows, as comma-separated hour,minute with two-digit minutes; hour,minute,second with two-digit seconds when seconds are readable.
11,24
